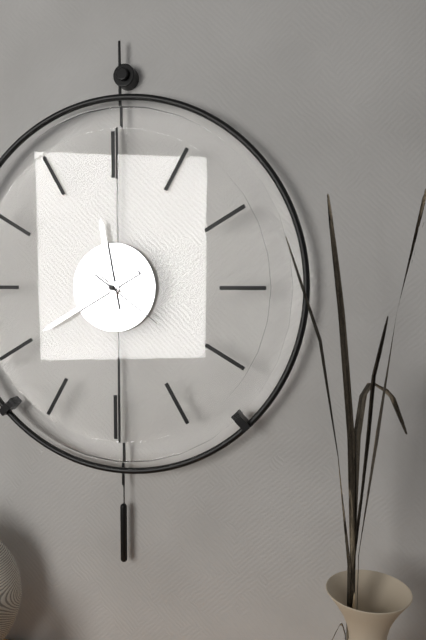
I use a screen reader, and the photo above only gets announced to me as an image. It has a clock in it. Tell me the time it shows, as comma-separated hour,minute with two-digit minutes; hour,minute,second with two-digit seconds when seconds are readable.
11,40,21
